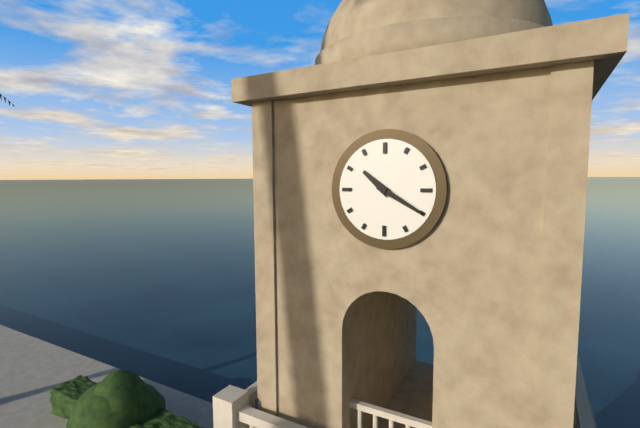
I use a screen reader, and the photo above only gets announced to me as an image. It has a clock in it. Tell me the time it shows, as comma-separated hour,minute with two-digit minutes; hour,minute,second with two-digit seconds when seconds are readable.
10,20
